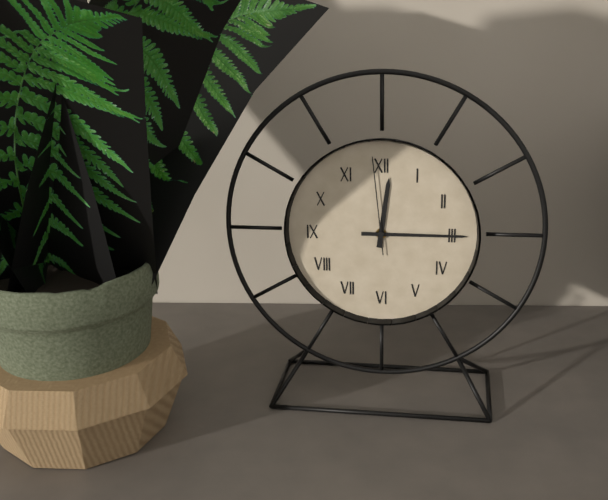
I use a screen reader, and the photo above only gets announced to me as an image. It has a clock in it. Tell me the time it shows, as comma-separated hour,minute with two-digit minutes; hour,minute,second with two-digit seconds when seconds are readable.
12,15,59
